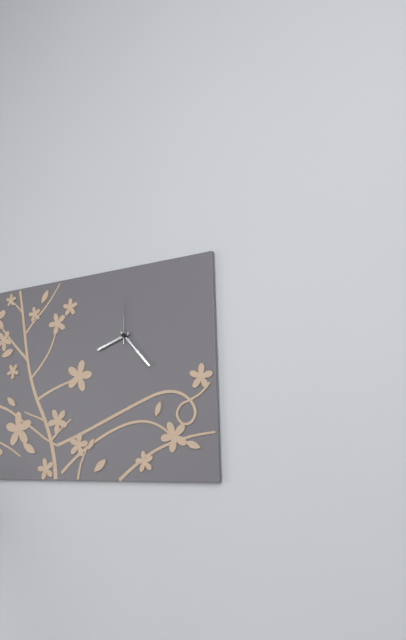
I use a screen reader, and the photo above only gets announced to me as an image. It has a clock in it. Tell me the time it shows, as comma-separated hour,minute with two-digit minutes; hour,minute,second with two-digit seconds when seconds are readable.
8,23
